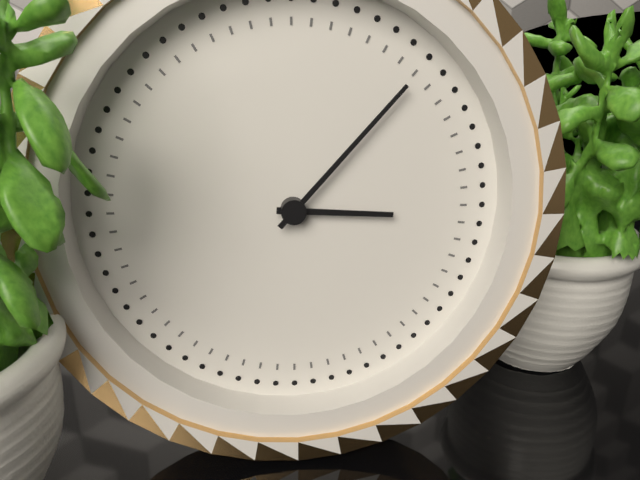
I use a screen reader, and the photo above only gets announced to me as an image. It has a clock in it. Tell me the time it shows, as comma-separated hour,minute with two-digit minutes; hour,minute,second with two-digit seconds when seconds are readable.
3,07
